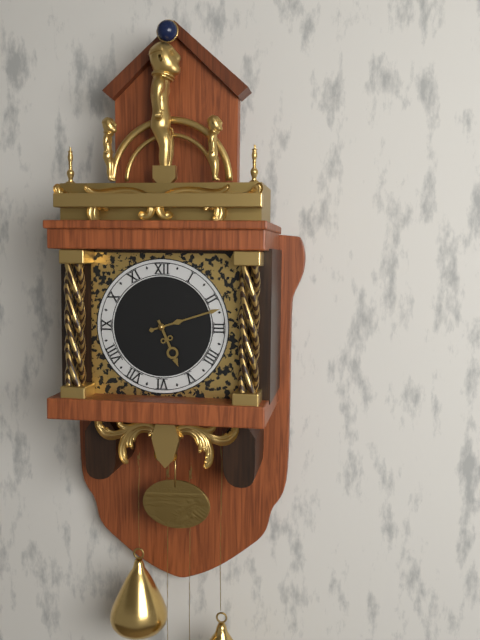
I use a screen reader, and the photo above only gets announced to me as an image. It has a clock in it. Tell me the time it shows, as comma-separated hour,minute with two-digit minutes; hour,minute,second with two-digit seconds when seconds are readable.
5,12
